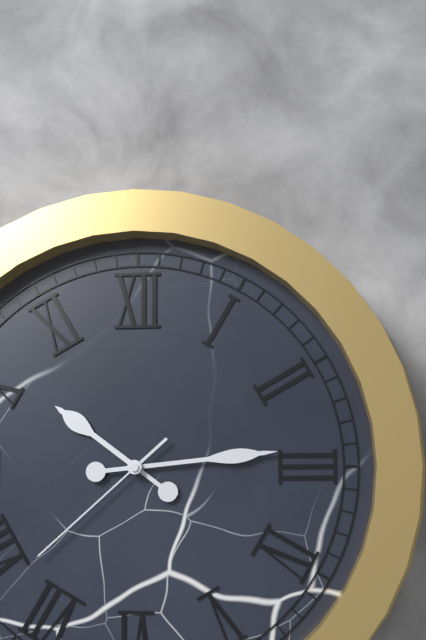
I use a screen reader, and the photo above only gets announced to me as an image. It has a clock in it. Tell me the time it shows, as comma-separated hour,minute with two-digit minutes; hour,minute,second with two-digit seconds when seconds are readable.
10,14,38
